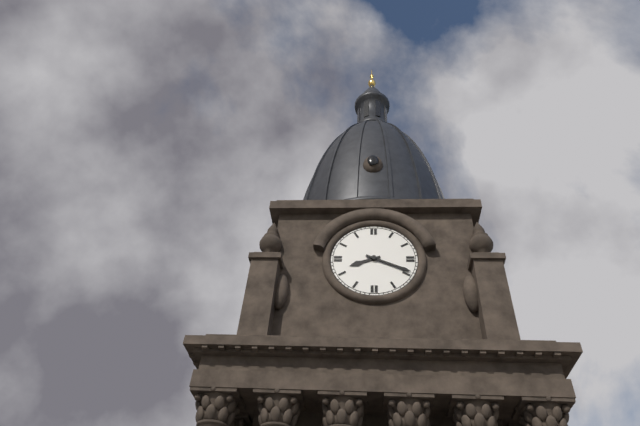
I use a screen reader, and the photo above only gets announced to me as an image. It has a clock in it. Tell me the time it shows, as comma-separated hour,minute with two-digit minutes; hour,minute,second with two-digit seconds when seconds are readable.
8,19
